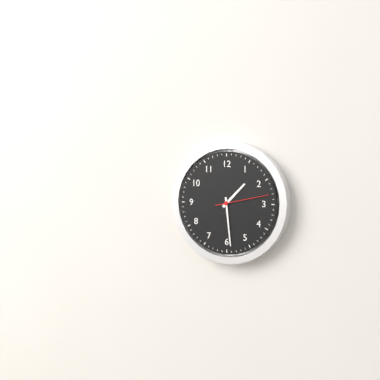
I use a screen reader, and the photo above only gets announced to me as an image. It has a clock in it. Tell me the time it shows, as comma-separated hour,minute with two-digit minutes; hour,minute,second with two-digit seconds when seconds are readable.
1,29,13
